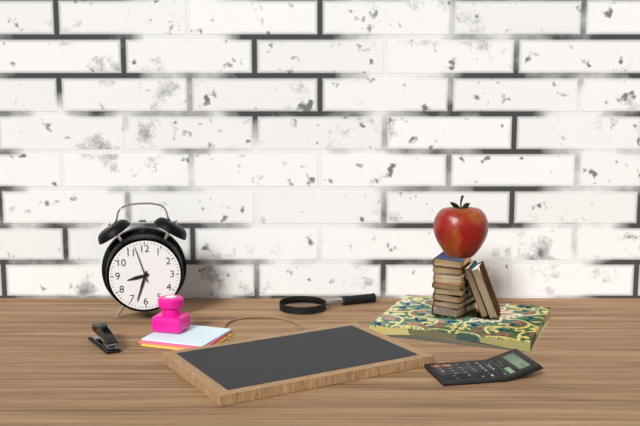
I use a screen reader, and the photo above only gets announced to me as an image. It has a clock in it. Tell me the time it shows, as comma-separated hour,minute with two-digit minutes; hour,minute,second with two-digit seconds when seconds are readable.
8,33
